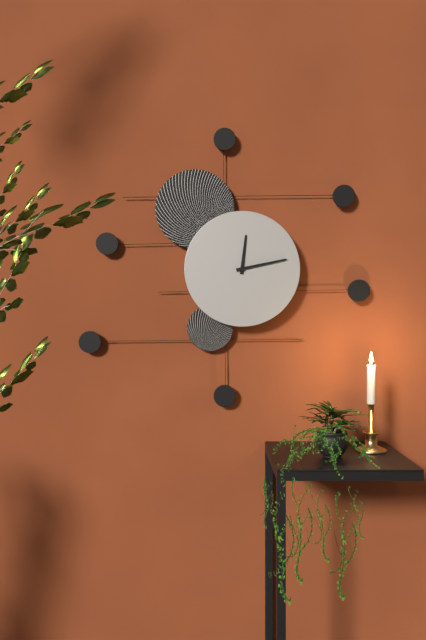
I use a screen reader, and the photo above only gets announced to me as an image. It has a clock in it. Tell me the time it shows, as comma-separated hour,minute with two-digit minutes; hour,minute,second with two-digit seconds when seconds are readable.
12,13
